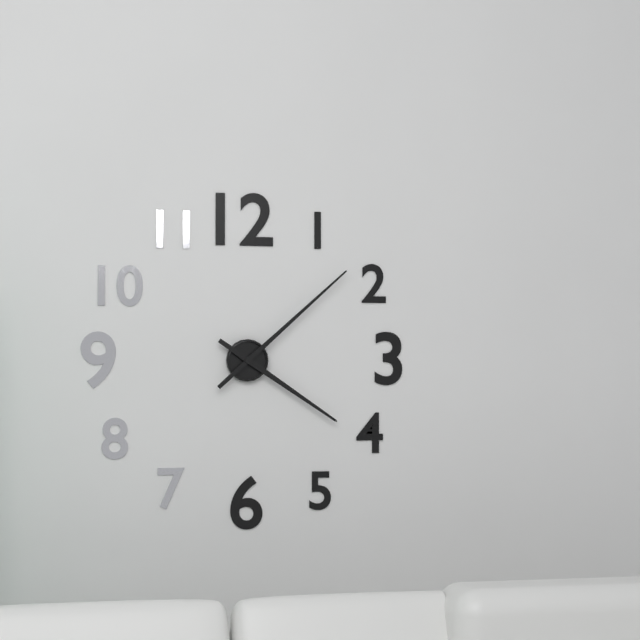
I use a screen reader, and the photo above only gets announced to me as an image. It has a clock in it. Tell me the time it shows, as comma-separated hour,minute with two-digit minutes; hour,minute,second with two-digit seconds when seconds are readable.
4,08
